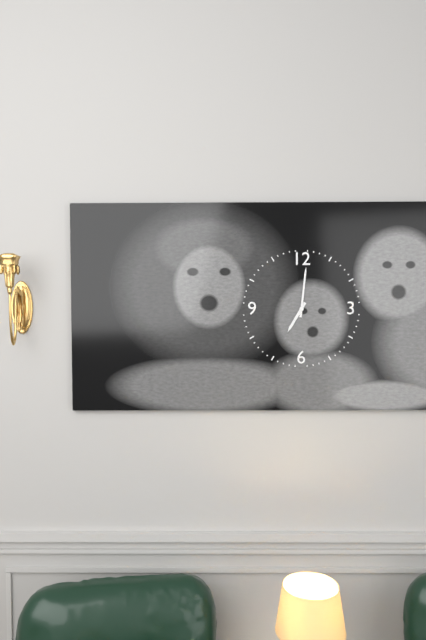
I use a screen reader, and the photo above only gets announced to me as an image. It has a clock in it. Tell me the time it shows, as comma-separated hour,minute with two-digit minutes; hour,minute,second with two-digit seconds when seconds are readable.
7,01
